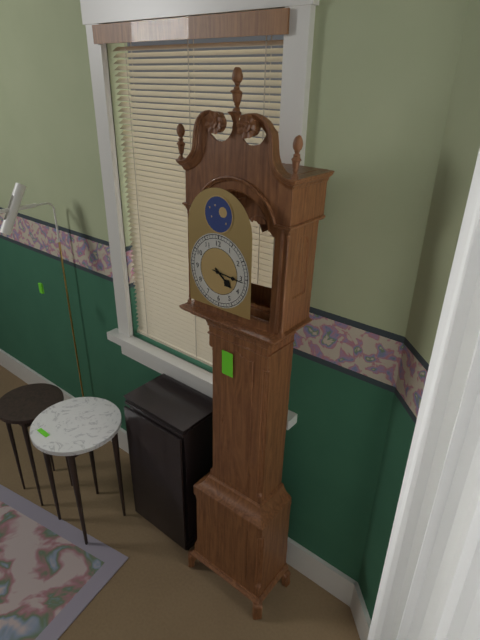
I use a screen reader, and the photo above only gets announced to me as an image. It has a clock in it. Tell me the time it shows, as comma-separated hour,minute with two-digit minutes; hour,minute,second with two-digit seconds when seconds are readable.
4,16
